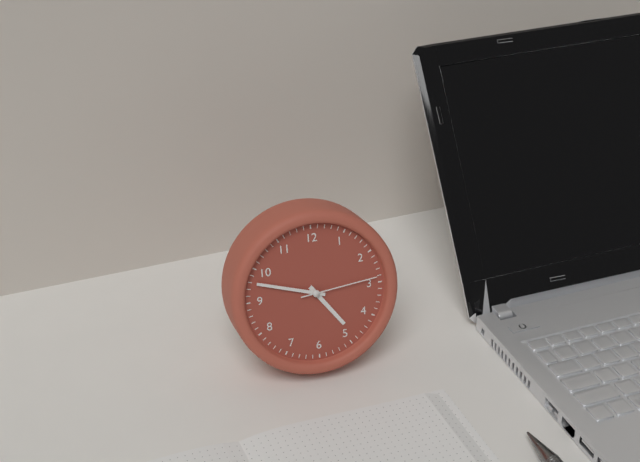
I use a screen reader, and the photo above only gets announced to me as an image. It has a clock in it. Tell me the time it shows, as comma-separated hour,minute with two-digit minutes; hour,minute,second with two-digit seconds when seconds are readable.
4,48,14
